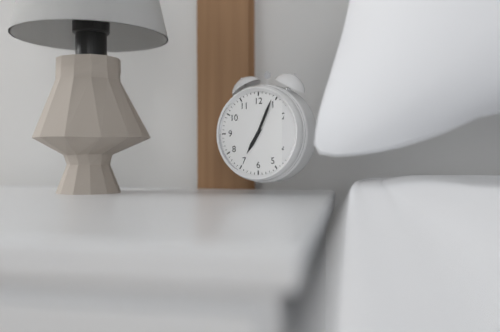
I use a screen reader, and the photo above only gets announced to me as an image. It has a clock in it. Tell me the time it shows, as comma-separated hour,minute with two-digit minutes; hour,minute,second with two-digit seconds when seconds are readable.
7,04
